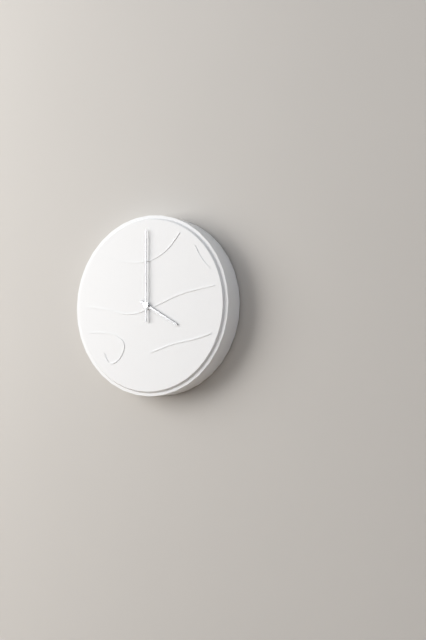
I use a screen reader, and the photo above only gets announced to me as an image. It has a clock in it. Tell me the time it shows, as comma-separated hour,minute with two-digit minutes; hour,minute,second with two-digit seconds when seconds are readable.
4,00
